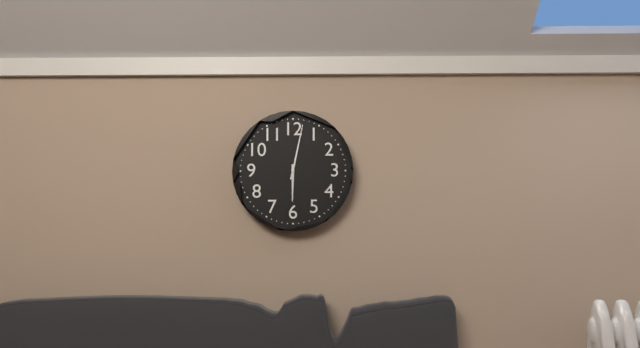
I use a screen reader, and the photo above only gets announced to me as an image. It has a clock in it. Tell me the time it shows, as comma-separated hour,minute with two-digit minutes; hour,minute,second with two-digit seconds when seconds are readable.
6,02
